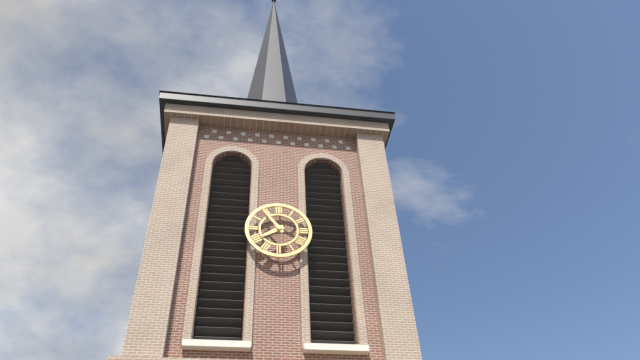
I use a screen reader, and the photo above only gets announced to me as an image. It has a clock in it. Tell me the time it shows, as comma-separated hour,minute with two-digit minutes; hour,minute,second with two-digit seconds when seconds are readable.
7,54
